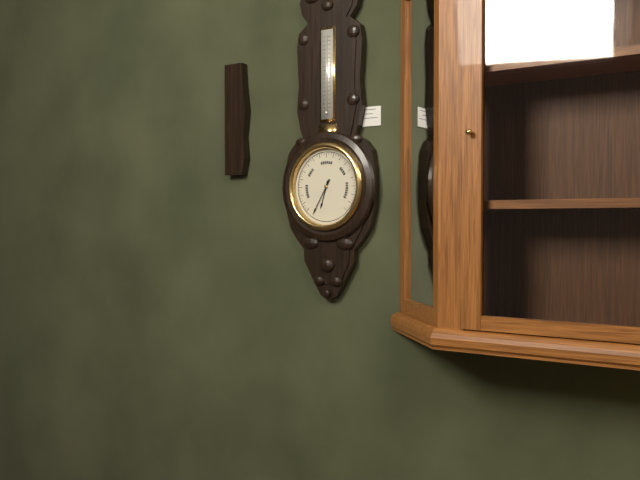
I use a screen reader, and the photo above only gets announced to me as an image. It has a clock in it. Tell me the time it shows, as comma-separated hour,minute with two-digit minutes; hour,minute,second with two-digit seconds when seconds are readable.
6,35
